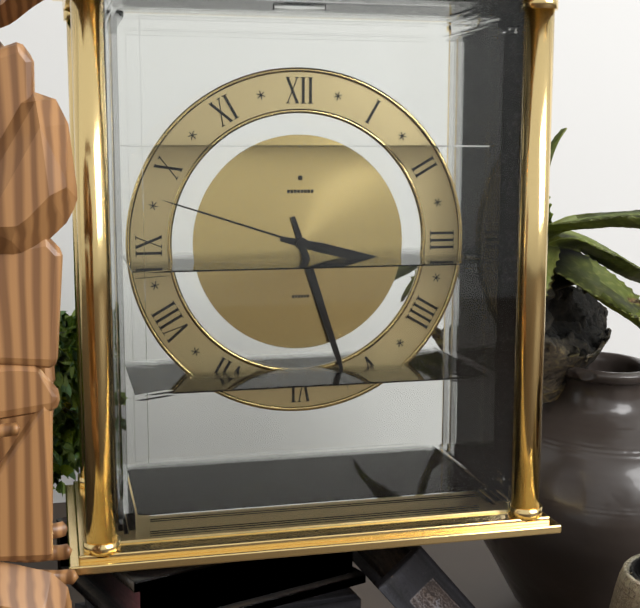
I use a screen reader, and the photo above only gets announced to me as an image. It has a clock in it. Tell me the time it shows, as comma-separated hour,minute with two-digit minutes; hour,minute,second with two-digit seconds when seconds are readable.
3,27,48
